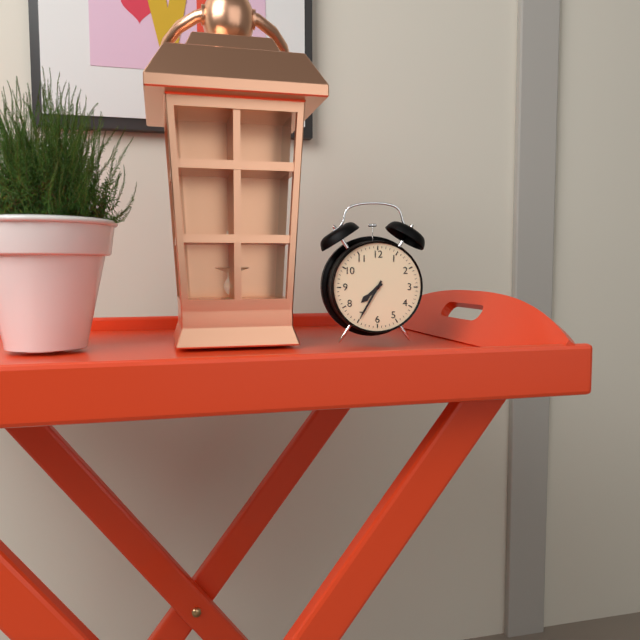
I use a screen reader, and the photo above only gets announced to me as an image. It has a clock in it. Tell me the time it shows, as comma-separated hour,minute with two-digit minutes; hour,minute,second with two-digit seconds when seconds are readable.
7,35
